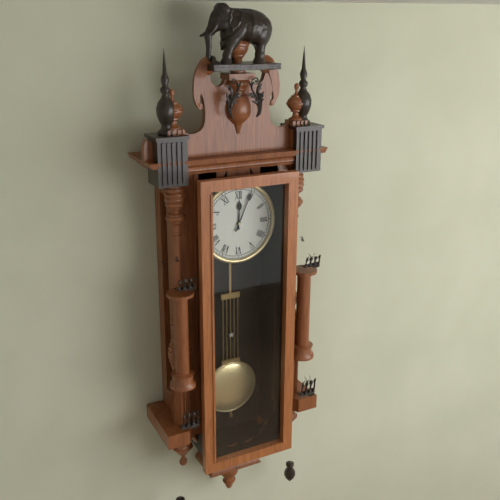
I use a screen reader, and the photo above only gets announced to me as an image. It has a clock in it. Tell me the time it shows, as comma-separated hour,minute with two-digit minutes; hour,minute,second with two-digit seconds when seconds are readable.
12,04
